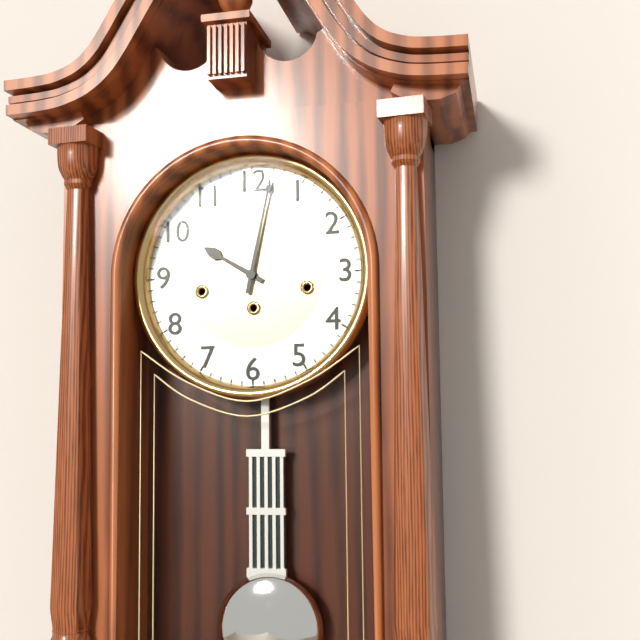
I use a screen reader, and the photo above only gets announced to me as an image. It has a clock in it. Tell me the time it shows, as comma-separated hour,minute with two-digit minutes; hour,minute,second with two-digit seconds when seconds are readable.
10,02
